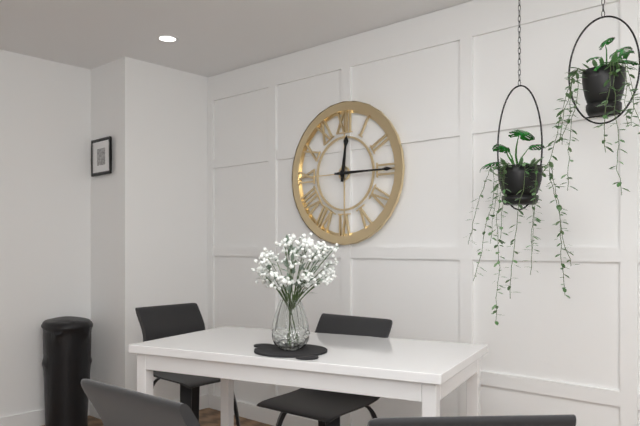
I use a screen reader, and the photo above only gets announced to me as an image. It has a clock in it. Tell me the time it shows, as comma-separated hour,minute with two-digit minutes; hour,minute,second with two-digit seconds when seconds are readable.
12,15
